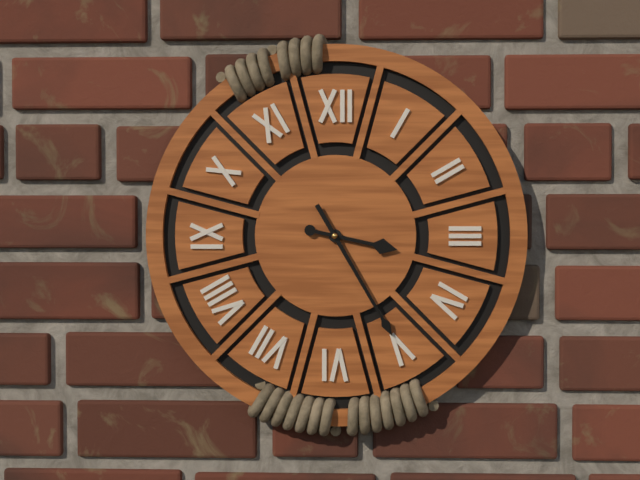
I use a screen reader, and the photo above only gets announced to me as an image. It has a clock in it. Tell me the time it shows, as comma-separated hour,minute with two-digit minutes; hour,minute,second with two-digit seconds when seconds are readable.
3,25
